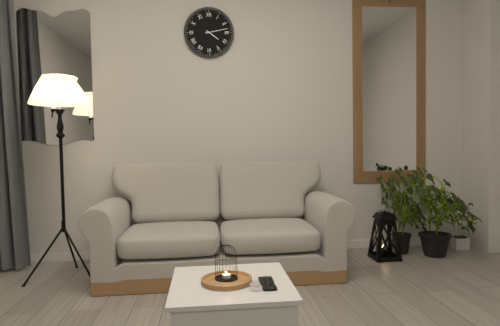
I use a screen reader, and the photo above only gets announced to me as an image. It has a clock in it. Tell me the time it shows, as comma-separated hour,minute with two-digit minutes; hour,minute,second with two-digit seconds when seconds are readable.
4,13
